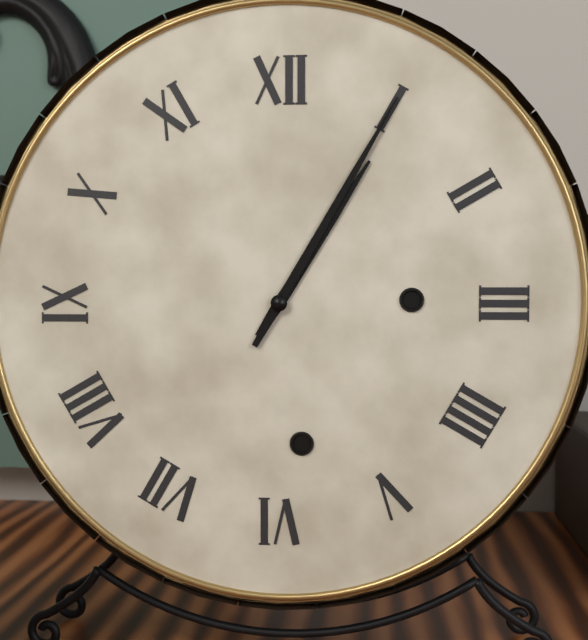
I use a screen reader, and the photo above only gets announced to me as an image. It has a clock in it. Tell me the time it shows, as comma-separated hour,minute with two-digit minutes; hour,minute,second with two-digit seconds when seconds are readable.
1,05
